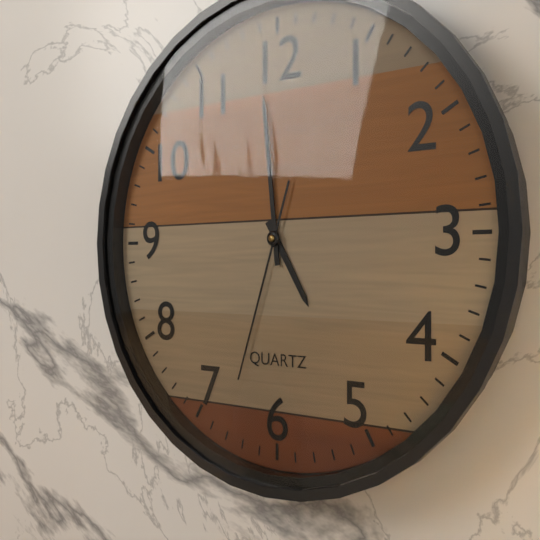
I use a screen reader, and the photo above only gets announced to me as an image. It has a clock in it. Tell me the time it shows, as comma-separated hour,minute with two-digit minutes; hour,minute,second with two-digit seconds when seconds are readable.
4,59,33
